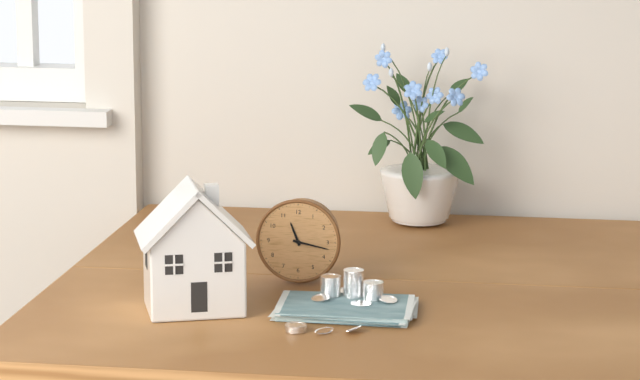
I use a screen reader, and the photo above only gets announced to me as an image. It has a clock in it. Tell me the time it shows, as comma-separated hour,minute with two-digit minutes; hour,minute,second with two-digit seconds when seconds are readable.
11,17
